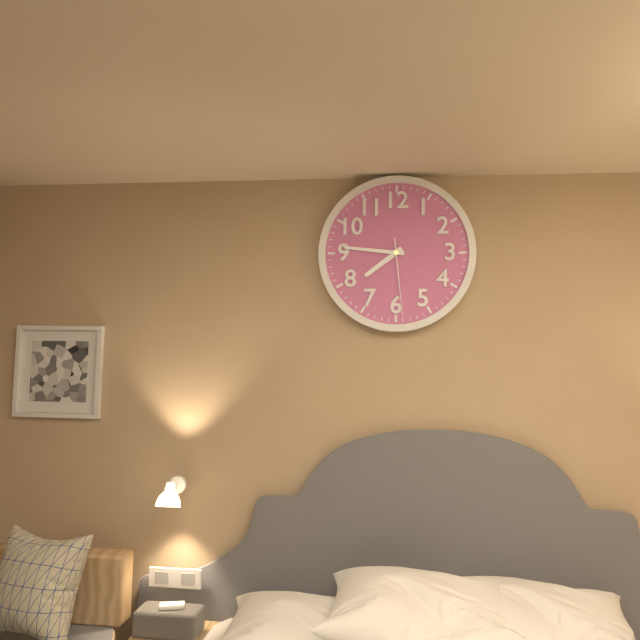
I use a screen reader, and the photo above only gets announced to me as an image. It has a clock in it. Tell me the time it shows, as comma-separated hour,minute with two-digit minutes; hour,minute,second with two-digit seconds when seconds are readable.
7,46,29
